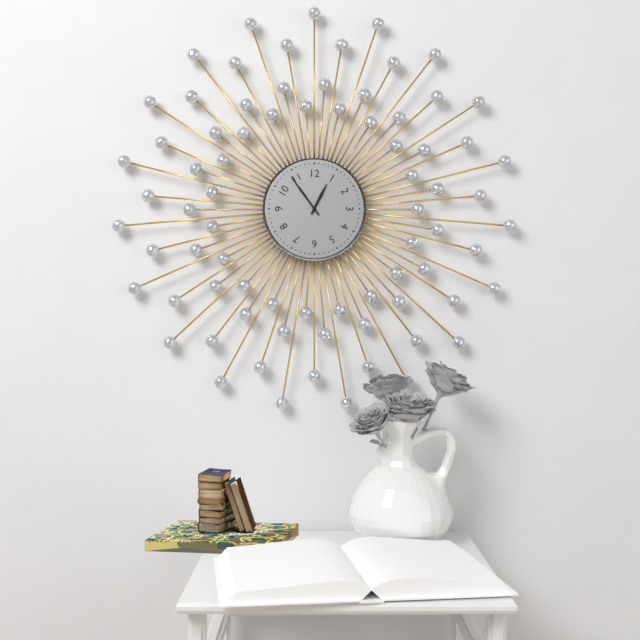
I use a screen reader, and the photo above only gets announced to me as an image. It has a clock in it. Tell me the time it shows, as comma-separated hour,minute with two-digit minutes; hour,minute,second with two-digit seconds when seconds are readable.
12,54
